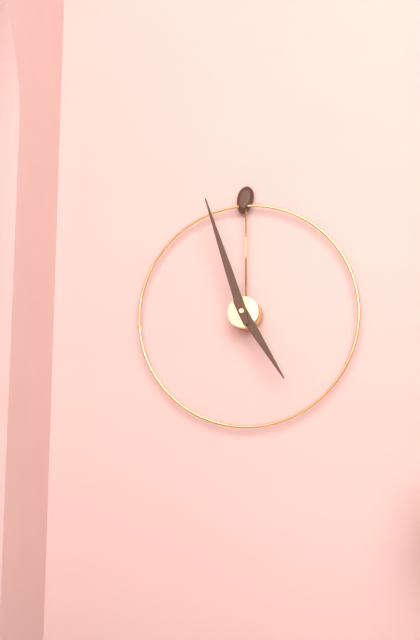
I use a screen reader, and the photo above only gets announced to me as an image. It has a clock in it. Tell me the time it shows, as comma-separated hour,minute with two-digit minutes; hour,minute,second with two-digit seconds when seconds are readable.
4,57
